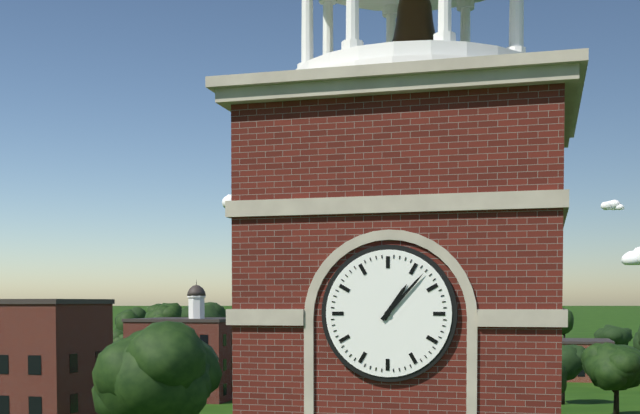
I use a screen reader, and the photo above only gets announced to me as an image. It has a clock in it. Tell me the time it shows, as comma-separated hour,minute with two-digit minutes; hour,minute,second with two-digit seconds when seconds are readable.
1,07
